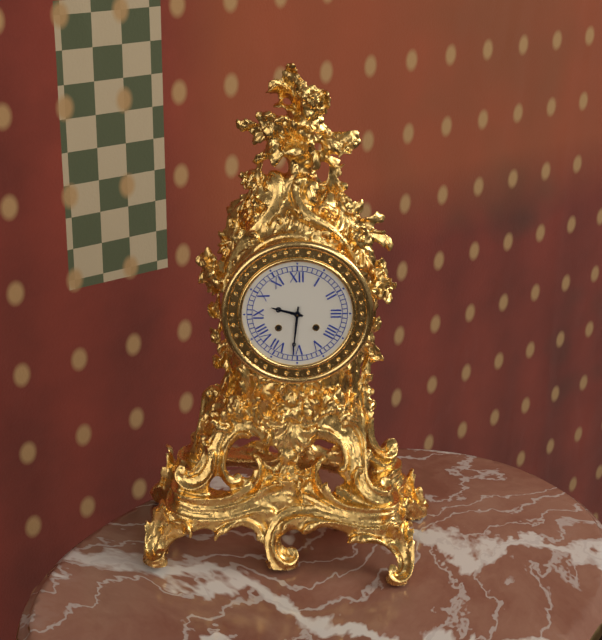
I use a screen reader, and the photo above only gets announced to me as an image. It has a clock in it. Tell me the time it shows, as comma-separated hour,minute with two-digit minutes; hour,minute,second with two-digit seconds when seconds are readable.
9,31
